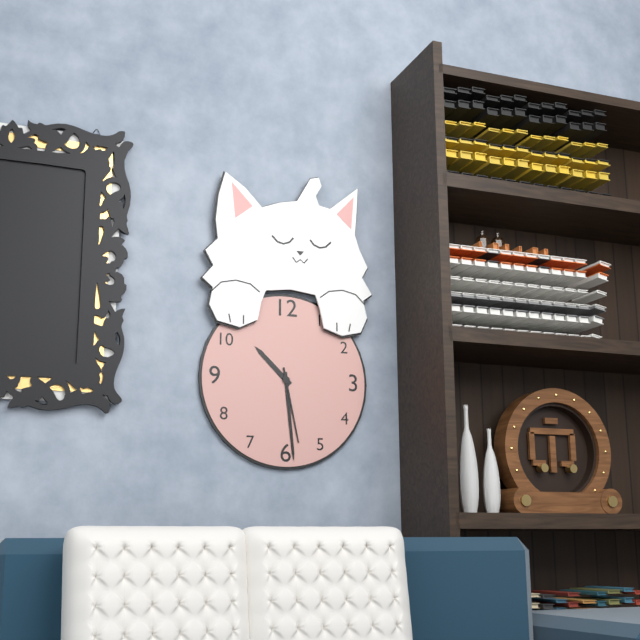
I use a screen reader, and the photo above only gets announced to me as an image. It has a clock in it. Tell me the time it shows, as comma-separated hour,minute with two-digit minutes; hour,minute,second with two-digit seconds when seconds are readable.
10,29,28
